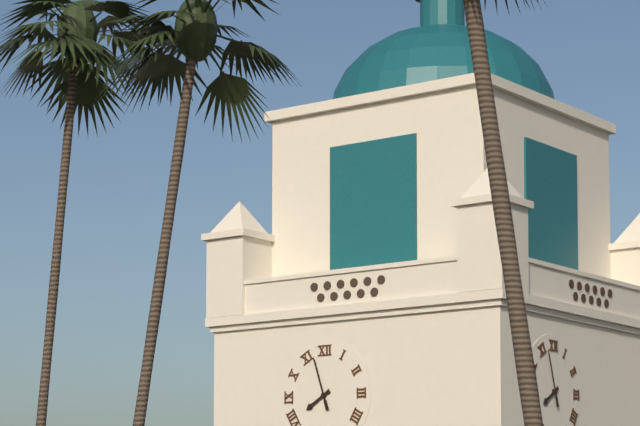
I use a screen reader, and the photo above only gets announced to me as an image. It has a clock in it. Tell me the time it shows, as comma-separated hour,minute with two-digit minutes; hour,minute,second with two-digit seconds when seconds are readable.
7,57
